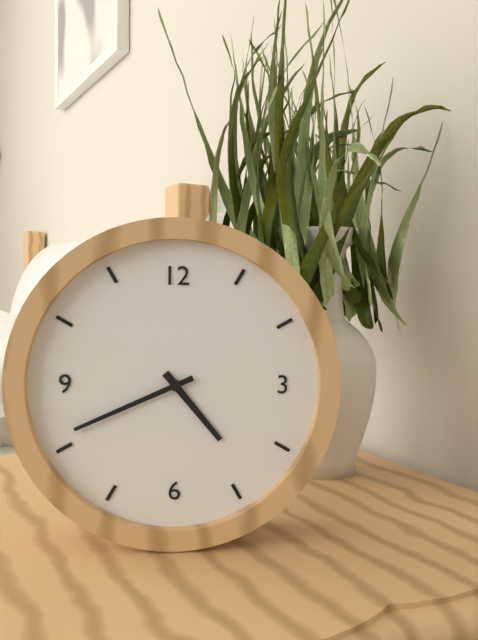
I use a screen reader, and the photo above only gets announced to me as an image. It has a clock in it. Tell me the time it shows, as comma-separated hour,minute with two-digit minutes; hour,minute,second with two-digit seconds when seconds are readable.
4,41
